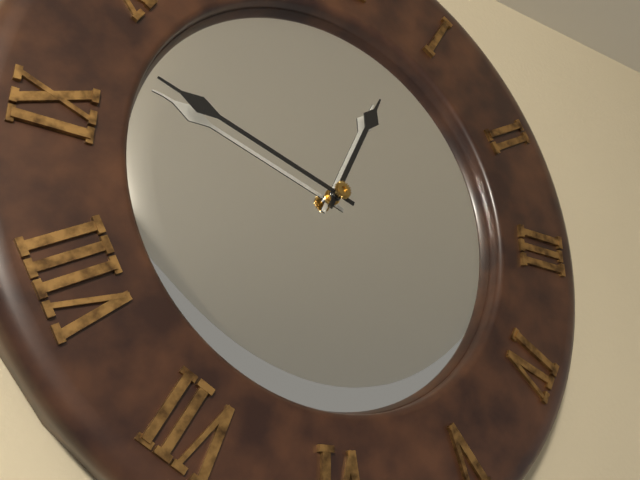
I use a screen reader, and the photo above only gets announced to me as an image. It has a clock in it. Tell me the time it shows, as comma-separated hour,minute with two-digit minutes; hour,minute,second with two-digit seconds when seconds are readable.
12,48
